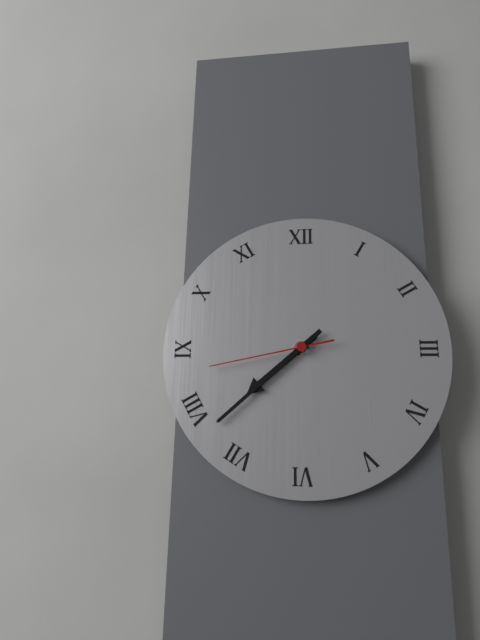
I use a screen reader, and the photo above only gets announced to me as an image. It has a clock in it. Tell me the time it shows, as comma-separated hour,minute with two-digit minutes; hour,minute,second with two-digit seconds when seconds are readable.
7,38,43
